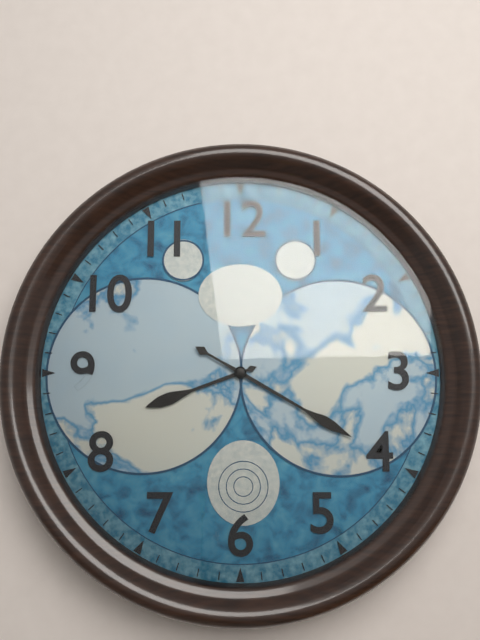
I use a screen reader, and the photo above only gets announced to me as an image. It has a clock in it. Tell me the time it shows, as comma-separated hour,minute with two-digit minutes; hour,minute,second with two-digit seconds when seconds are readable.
8,20
